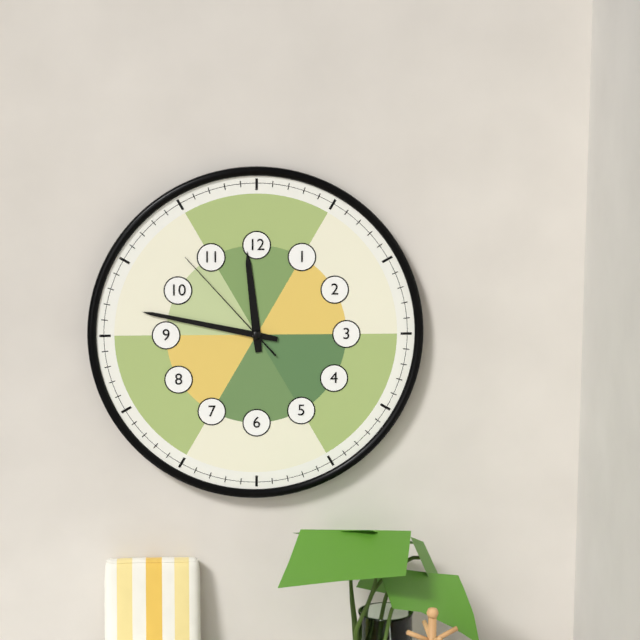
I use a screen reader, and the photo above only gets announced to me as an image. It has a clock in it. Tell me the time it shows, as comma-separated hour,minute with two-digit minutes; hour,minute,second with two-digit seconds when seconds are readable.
11,47,53
